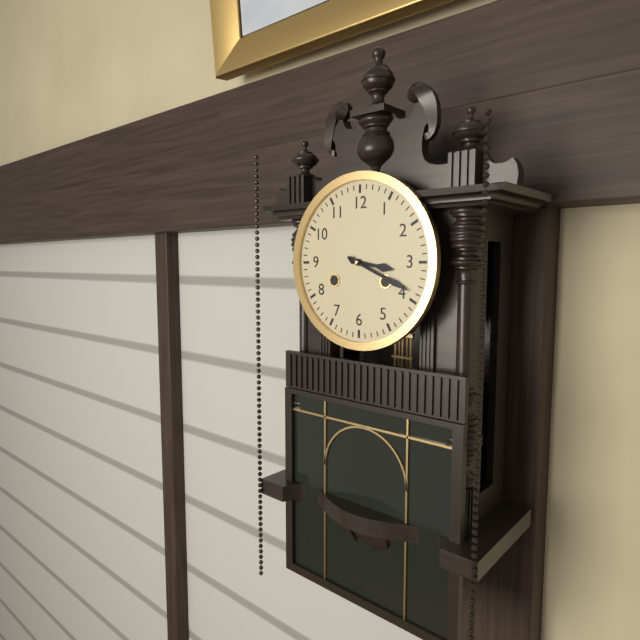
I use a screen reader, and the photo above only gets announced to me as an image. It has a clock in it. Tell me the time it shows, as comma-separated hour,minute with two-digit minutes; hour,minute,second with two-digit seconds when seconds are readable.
3,19
